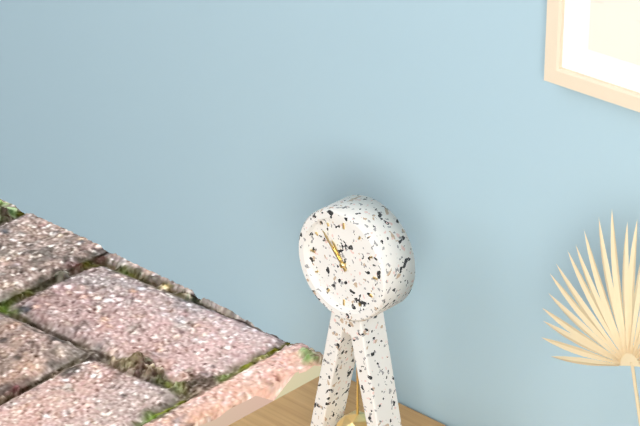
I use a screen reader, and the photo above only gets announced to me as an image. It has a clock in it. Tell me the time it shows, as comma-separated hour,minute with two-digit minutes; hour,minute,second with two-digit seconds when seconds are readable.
10,53
